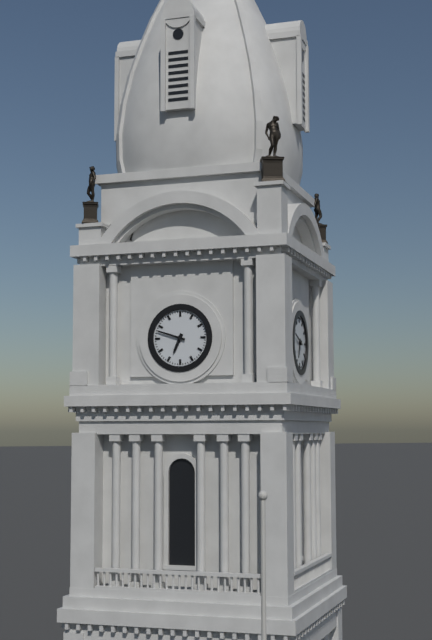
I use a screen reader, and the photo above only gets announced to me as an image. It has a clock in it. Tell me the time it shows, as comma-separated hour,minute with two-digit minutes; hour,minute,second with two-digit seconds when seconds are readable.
6,48
